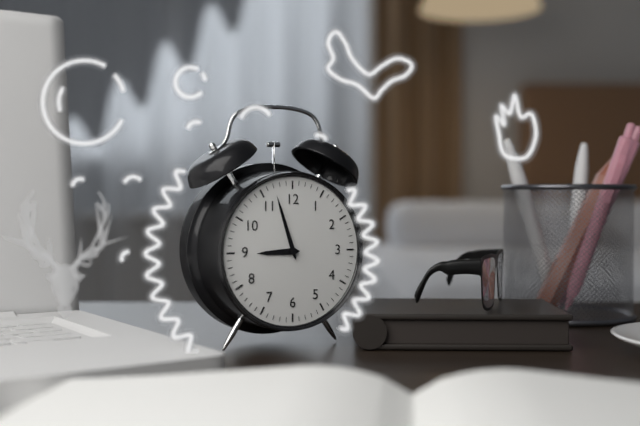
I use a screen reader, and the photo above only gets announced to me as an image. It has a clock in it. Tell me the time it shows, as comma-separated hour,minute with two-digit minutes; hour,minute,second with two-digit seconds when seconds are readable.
8,57
